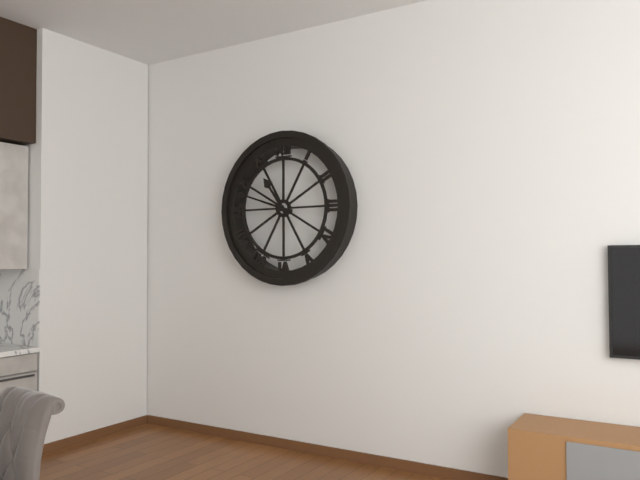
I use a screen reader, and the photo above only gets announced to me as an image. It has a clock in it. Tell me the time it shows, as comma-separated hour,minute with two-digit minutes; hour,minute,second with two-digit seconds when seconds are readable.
10,48
